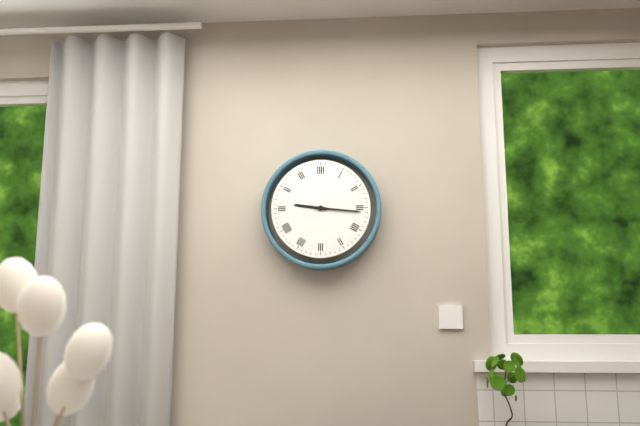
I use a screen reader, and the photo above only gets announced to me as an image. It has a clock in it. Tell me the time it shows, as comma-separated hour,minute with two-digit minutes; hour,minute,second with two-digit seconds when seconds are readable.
9,16
